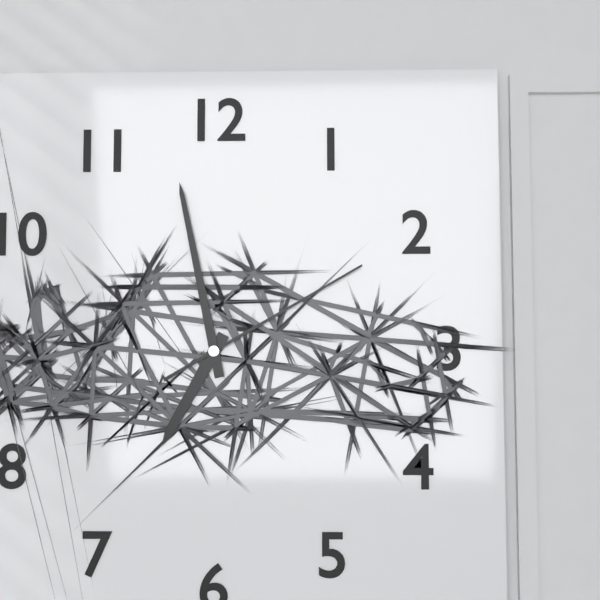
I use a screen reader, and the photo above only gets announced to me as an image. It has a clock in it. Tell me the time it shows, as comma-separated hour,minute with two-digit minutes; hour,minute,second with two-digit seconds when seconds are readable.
6,58,10
